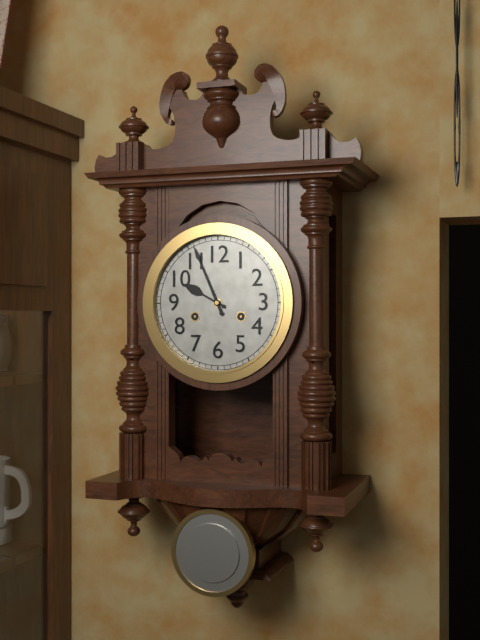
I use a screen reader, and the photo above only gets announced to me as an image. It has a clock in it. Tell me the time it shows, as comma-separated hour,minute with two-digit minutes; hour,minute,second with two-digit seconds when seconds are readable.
9,56
